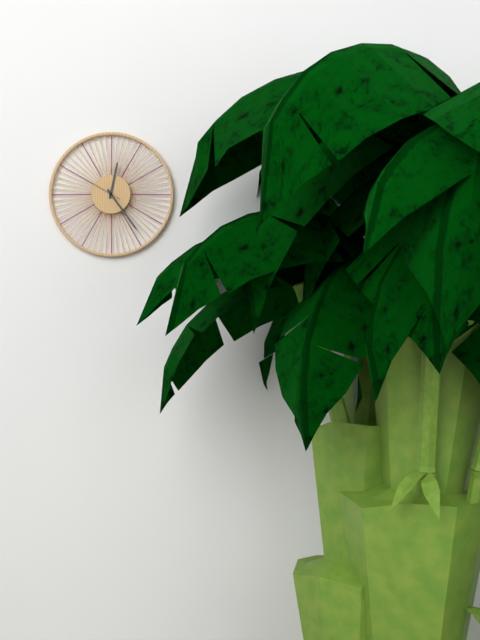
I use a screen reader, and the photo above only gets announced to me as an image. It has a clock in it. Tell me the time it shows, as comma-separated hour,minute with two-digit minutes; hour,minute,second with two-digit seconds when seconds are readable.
12,24,50
